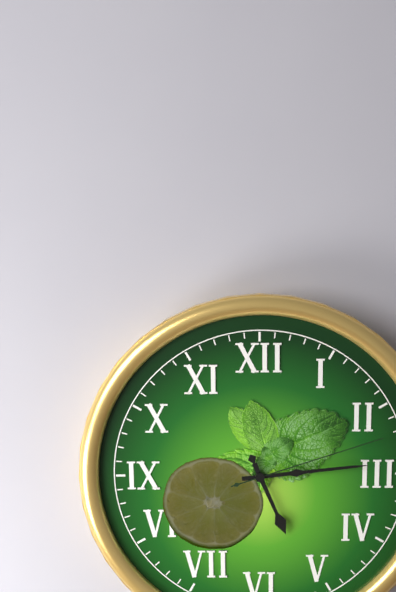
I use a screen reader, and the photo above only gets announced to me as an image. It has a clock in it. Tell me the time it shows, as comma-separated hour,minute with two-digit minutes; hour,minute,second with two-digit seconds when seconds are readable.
5,14,12
